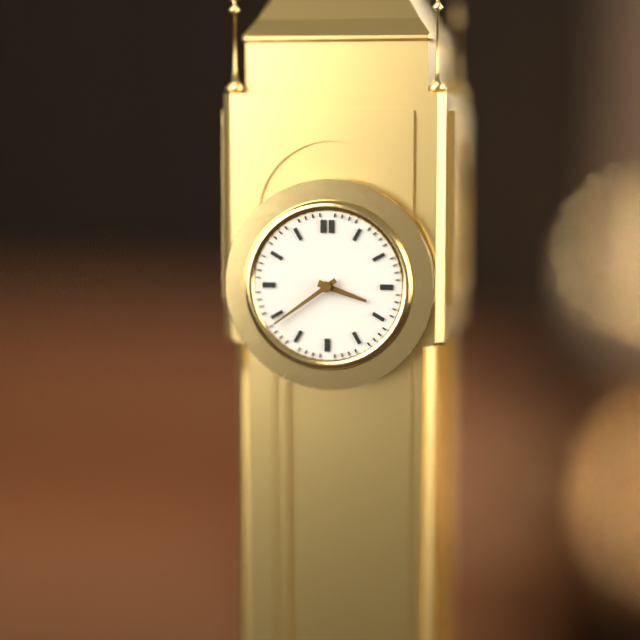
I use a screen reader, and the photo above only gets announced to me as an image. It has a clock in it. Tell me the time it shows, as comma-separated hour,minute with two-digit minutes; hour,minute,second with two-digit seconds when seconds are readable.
3,39
